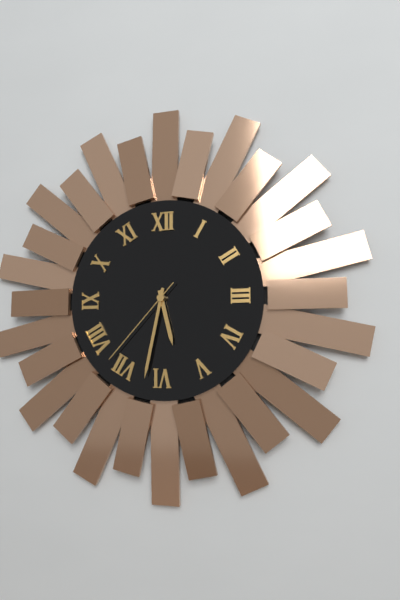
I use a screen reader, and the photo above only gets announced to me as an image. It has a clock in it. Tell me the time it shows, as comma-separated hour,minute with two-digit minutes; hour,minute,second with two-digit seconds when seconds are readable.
5,32,37
